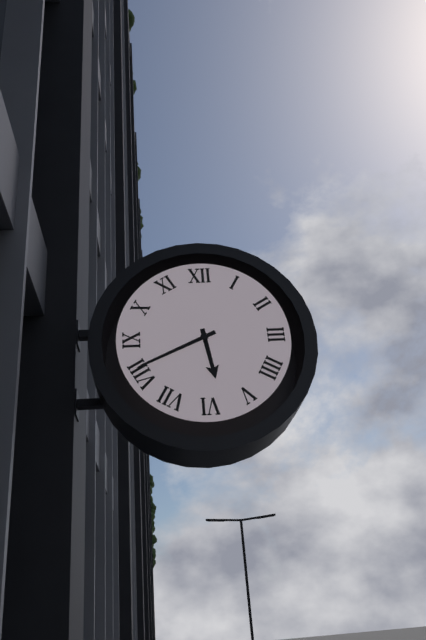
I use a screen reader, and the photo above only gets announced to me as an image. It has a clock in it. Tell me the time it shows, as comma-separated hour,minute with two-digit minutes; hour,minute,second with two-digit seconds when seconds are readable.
5,41
